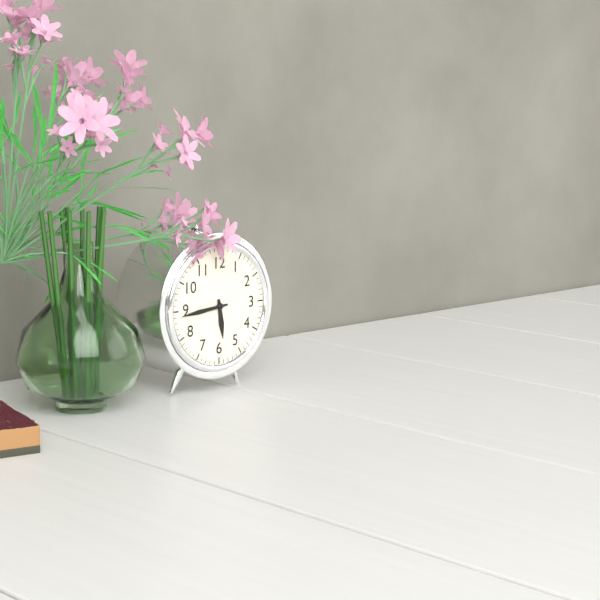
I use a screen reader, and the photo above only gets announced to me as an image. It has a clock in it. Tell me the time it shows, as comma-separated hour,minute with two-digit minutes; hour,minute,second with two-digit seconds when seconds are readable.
5,44
